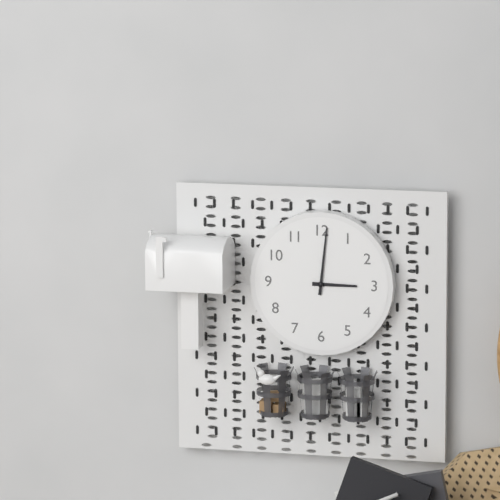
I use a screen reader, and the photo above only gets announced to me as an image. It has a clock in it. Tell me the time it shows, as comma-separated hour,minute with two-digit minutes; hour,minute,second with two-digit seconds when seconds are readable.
3,01
